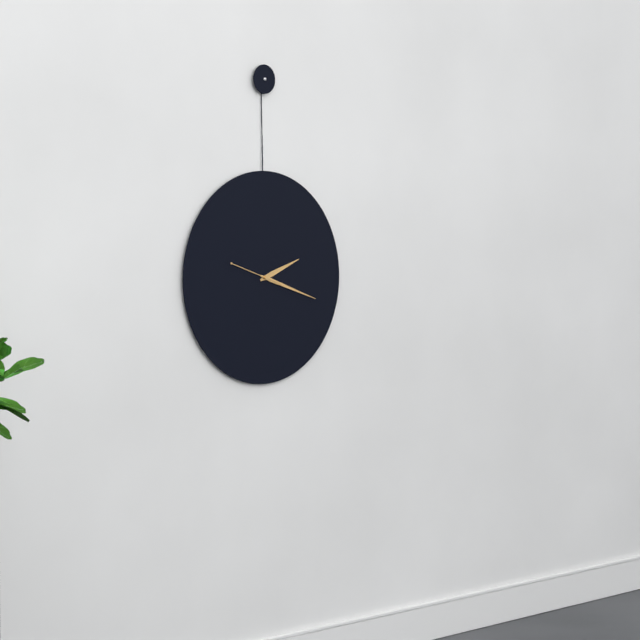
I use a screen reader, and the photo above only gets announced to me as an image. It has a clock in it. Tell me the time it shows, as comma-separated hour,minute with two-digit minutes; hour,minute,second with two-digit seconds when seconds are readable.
2,18
